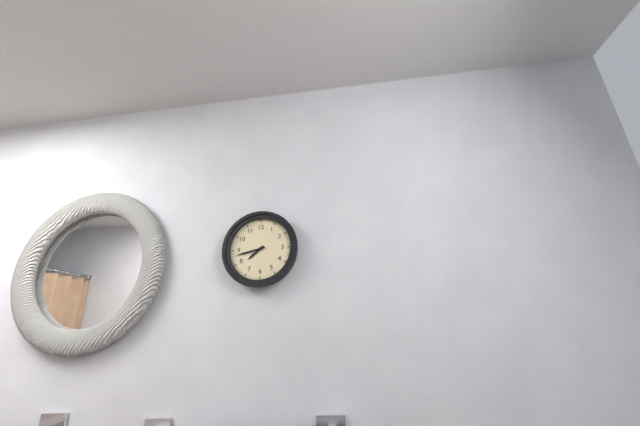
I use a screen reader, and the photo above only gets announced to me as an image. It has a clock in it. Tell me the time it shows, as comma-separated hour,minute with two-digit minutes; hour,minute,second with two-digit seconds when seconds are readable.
7,43
